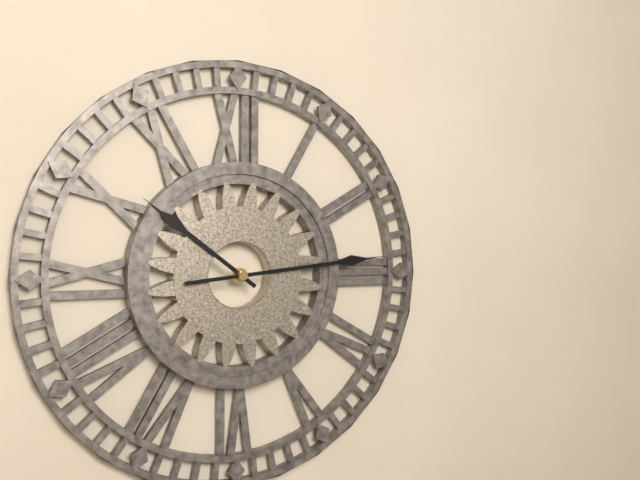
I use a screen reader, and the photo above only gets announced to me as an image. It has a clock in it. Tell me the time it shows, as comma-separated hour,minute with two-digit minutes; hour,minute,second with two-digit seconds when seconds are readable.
10,14
